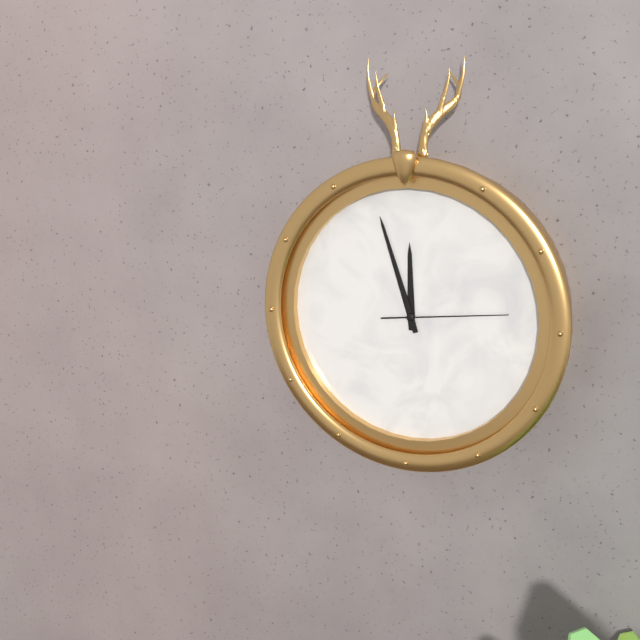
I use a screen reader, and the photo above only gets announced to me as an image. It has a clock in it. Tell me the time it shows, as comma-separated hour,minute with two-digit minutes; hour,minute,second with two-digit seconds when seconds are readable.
11,57,14
